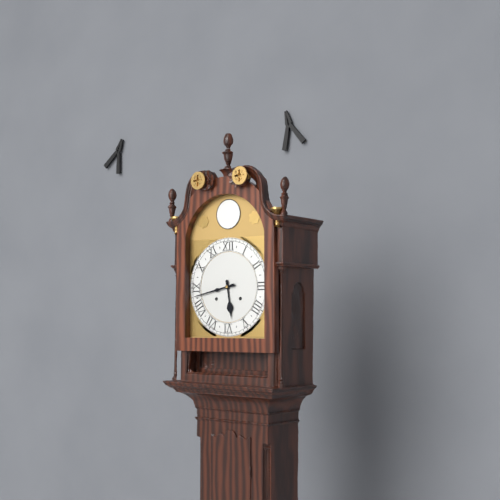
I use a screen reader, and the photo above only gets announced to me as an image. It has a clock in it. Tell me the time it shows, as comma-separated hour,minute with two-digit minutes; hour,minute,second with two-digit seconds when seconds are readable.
5,43
